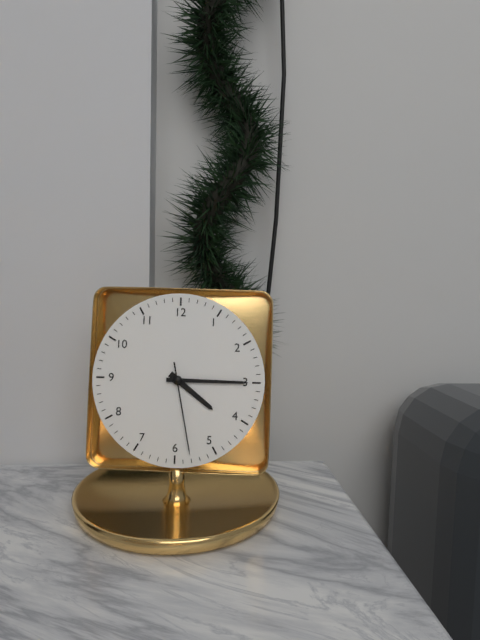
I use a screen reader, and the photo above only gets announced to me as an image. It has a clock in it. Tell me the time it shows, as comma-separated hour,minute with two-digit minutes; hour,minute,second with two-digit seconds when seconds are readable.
4,15,28
